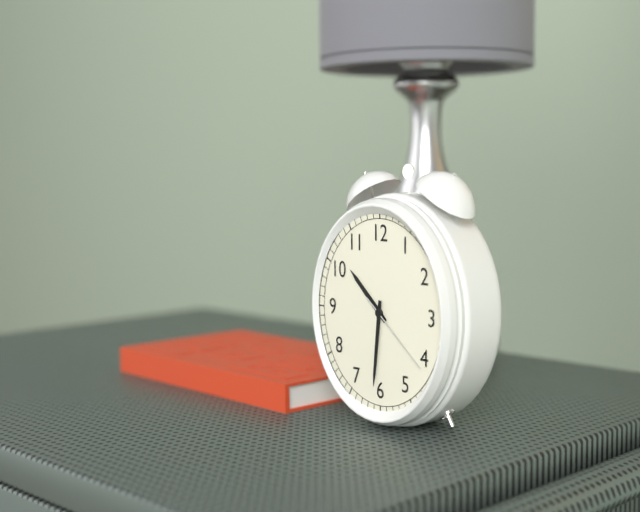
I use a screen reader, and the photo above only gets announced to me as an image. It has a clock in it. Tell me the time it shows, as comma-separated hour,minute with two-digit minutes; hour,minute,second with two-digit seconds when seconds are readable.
10,31,22
